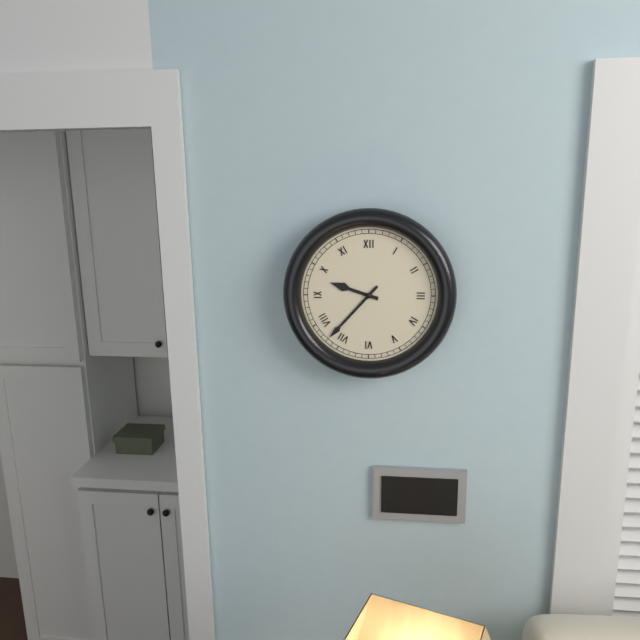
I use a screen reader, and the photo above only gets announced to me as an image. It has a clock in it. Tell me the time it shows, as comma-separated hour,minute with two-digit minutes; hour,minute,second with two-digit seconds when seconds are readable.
9,37
